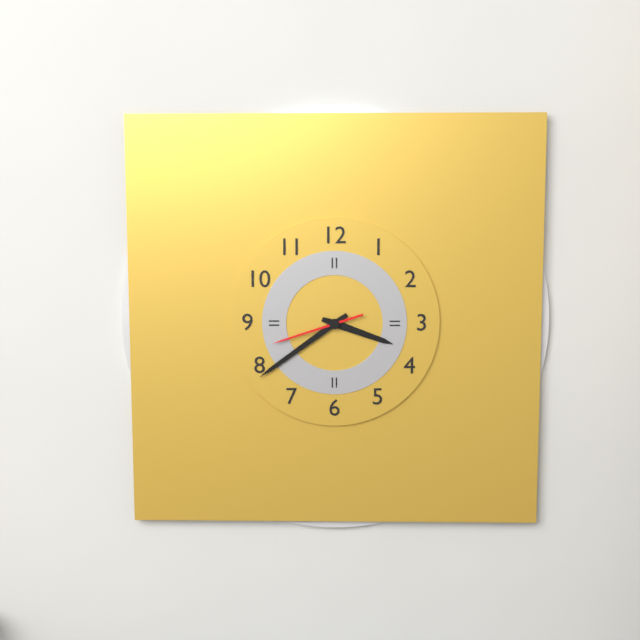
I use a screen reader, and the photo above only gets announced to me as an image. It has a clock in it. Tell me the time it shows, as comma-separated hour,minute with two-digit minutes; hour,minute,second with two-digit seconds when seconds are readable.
3,39,42
